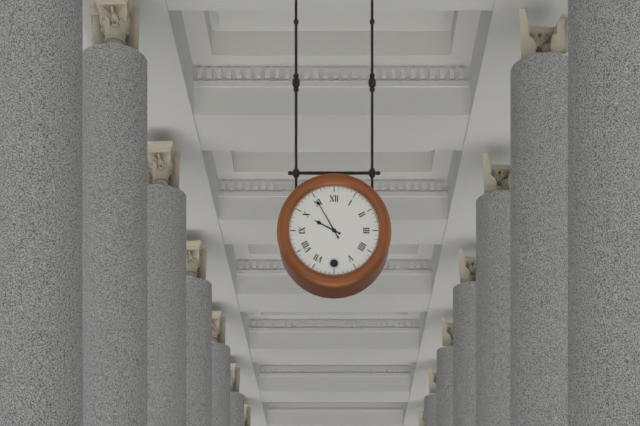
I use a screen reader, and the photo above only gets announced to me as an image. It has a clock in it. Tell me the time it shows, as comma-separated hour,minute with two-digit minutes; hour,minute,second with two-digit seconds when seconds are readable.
9,55
